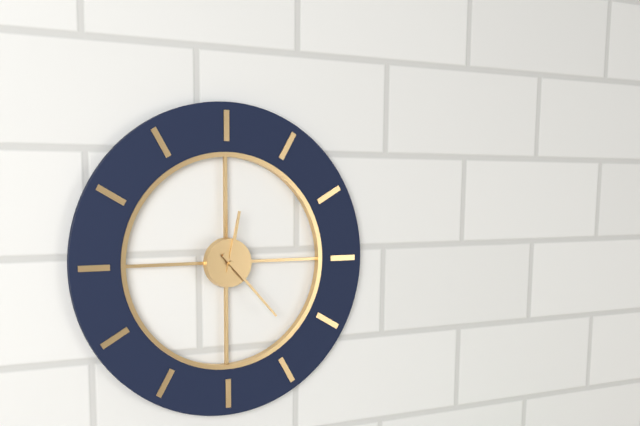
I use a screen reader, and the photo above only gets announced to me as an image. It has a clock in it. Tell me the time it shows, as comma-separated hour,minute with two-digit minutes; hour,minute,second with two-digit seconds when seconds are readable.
12,23
